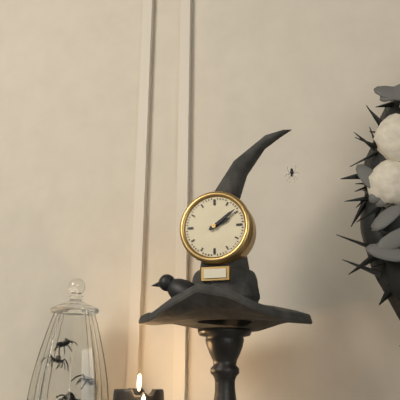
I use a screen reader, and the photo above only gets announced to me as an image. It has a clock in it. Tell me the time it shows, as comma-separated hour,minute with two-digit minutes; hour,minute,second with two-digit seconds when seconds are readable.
2,09
